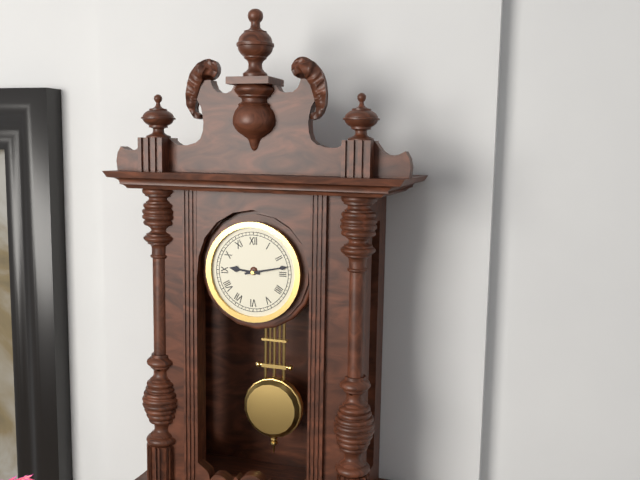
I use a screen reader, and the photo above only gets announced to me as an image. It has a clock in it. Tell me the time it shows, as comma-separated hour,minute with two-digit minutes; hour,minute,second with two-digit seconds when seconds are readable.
9,13
